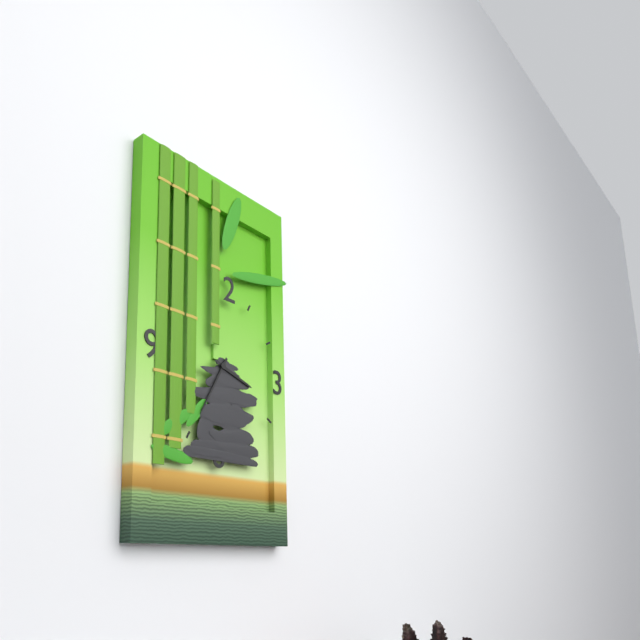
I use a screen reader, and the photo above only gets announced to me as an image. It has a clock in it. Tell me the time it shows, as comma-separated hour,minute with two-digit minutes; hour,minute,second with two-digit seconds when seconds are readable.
3,35
